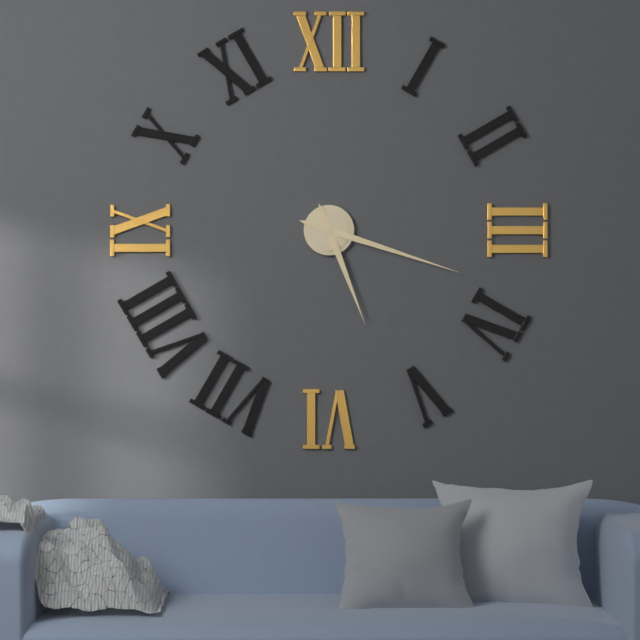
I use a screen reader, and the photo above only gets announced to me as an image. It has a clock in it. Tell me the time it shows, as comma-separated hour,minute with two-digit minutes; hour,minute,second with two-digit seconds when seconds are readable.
5,18
